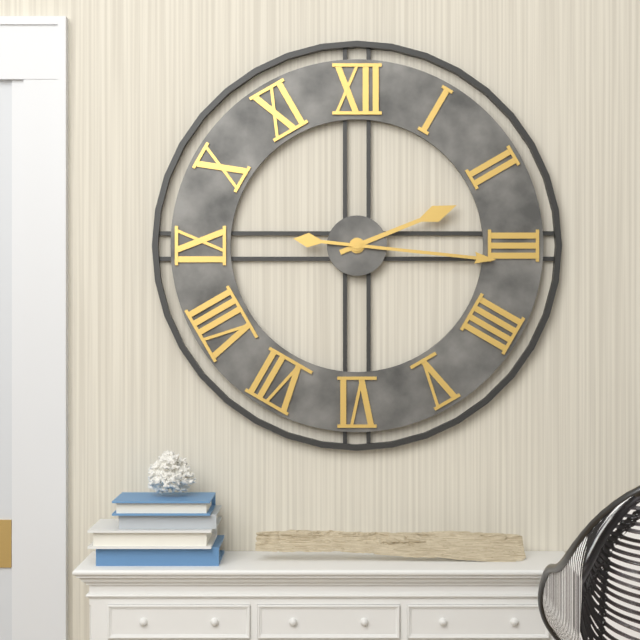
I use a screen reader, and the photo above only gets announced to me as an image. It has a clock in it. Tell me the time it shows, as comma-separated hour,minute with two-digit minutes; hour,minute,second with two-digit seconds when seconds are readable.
2,16
